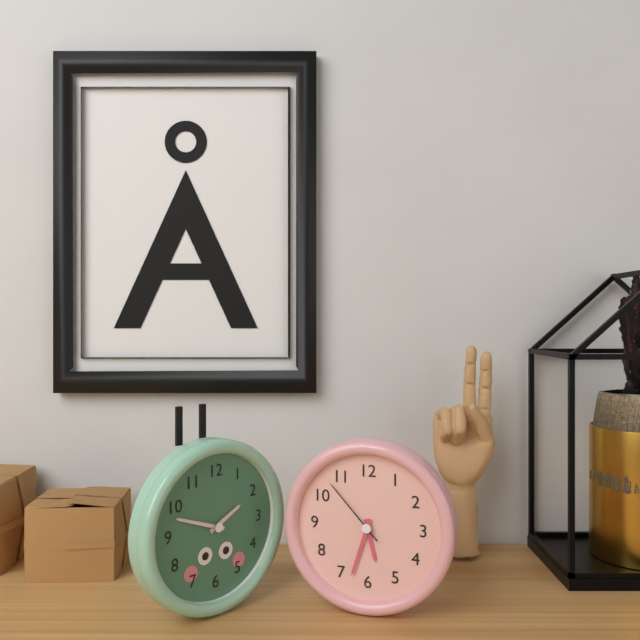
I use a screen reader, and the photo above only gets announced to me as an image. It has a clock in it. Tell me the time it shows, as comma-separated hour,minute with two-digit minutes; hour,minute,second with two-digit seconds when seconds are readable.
5,33,53
